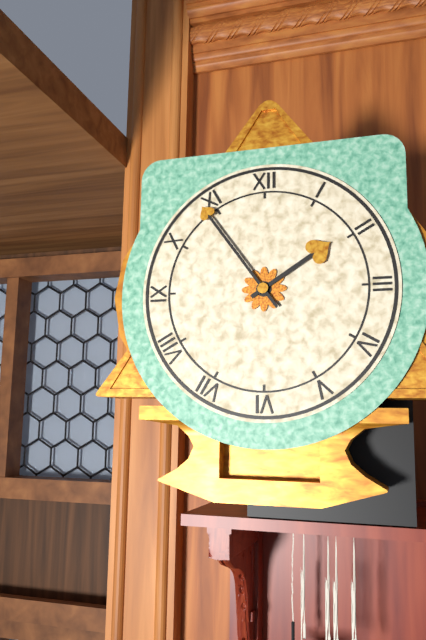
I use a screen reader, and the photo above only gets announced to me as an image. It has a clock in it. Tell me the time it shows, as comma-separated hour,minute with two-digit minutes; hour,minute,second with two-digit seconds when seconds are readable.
1,54
